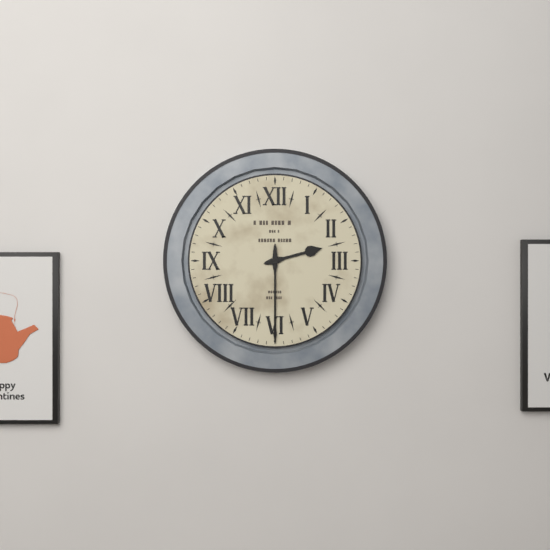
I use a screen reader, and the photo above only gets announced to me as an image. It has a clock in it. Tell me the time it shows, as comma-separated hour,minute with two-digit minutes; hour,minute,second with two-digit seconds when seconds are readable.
2,30
